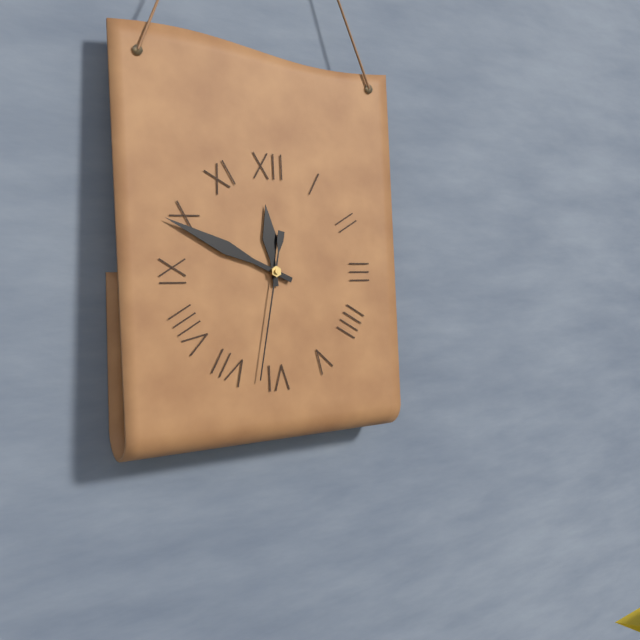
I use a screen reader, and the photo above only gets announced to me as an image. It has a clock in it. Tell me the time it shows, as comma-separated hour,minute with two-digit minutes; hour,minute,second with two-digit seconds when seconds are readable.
11,49,32
